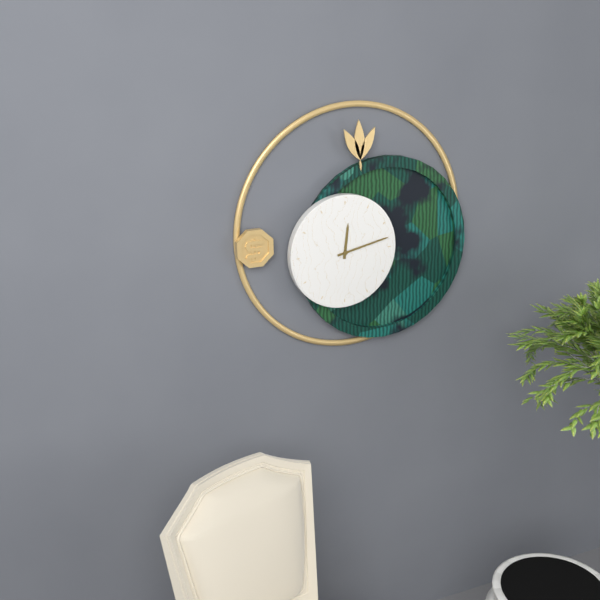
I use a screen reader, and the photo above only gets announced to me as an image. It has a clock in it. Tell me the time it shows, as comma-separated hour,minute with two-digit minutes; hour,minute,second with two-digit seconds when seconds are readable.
12,13
